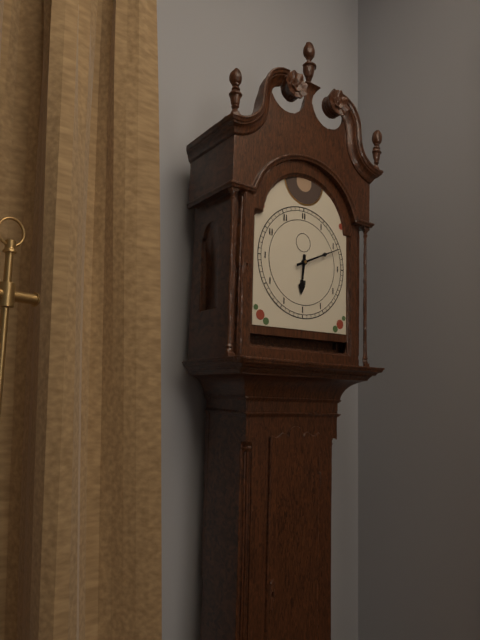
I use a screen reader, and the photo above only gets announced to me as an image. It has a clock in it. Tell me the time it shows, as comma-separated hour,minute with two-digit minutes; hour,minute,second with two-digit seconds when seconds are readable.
6,11
